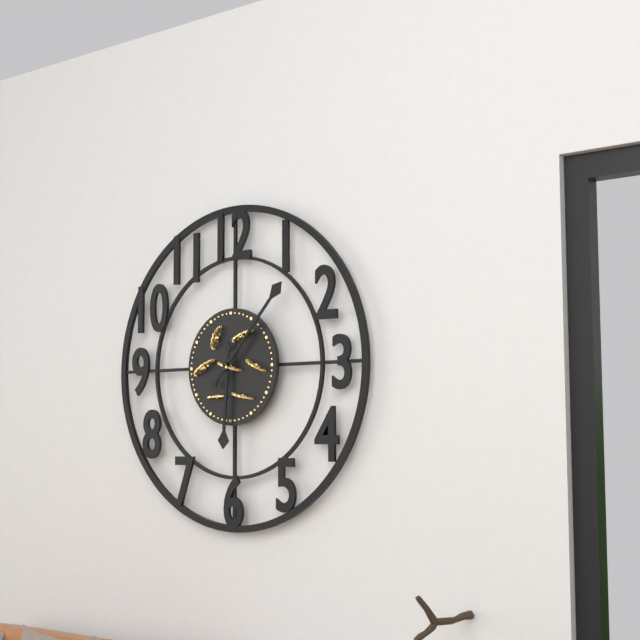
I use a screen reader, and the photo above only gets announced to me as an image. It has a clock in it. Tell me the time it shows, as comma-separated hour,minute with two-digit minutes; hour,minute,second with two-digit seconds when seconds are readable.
6,07
